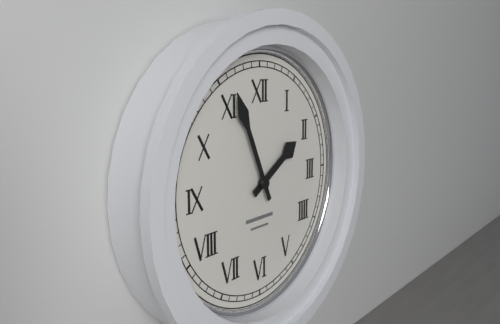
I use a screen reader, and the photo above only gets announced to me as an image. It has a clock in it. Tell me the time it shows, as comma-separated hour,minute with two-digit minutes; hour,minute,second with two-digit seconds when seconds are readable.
1,56
